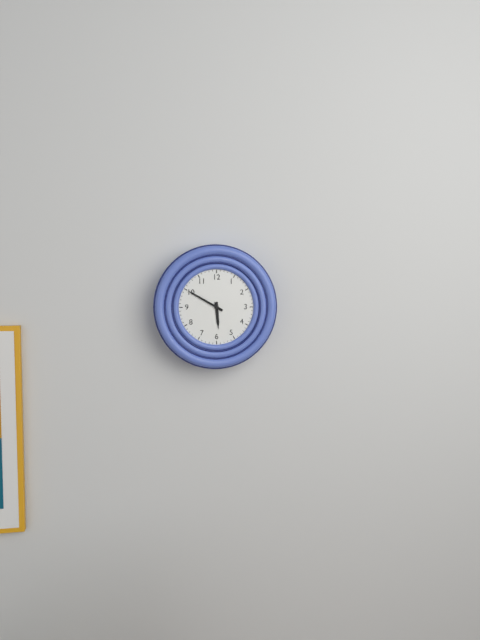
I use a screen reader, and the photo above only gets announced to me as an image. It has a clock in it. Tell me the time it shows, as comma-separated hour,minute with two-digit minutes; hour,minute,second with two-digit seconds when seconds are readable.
5,50
